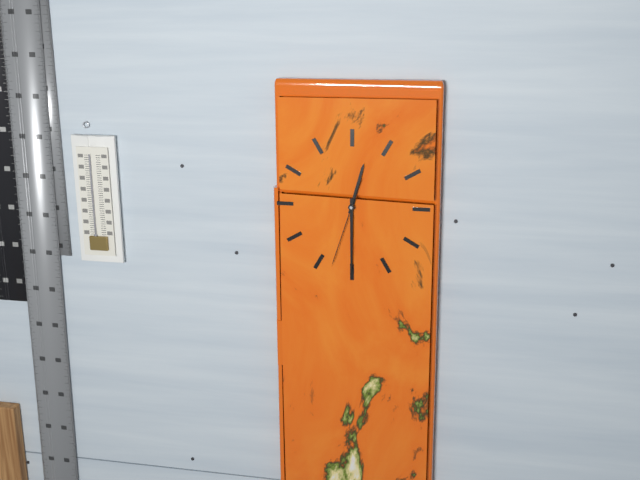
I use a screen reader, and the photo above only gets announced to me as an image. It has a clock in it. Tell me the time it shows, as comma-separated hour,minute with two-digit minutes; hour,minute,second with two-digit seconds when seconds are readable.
12,30,33
